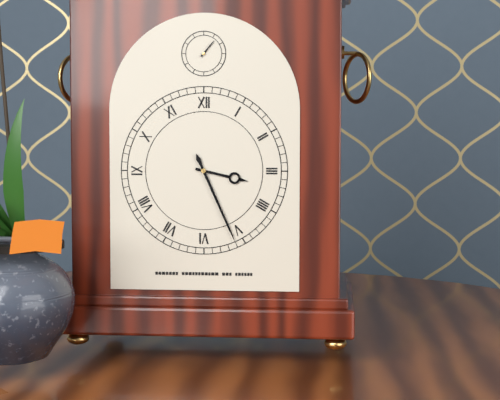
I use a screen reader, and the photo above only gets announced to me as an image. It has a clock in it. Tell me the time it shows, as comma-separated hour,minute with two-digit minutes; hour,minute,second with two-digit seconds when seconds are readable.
3,26
